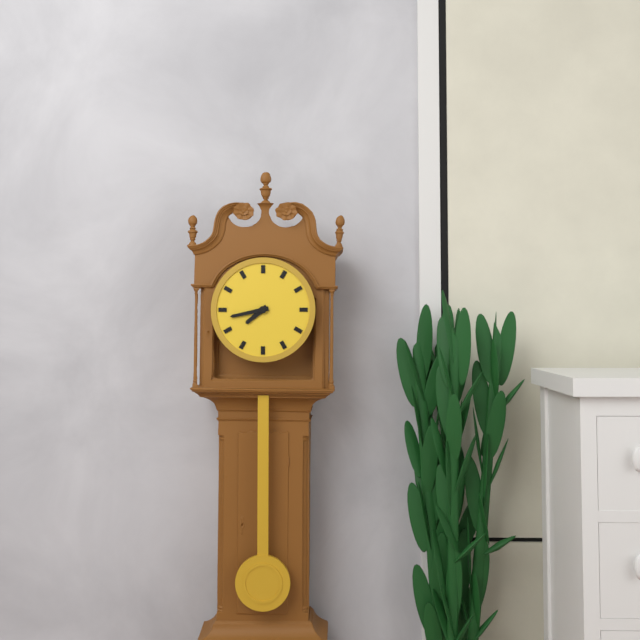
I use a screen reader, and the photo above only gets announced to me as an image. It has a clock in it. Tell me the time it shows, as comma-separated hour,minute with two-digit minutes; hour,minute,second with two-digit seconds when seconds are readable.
7,43
